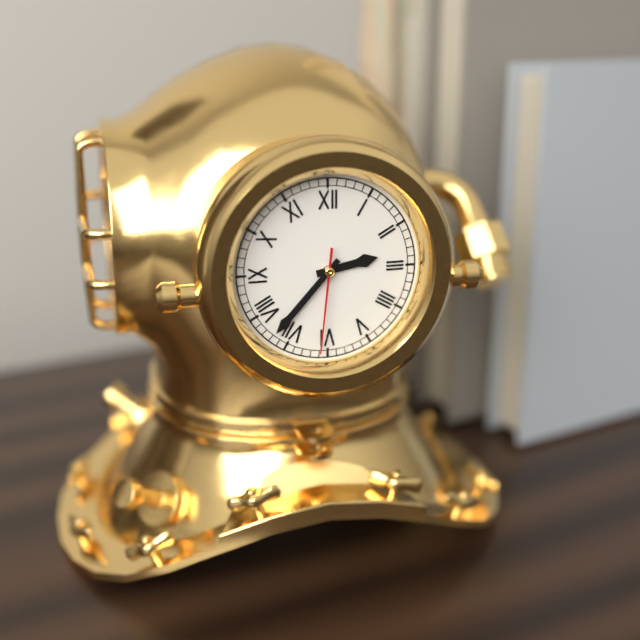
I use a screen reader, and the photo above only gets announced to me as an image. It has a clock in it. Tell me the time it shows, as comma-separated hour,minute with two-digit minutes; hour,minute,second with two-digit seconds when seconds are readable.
2,37,31
